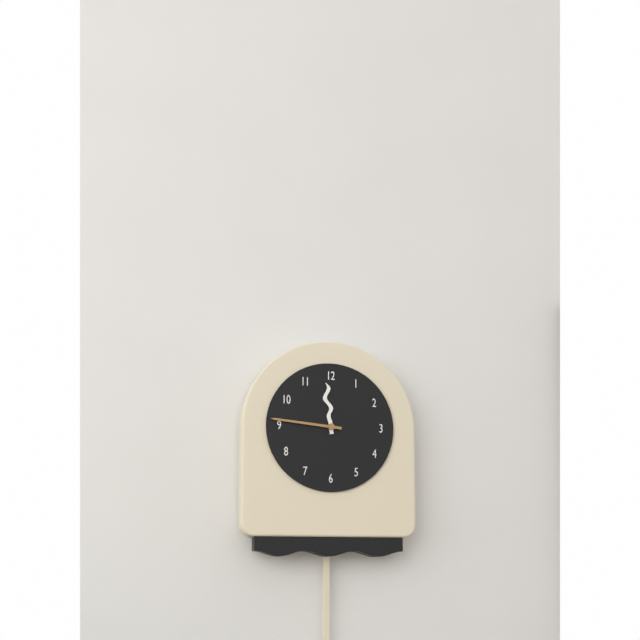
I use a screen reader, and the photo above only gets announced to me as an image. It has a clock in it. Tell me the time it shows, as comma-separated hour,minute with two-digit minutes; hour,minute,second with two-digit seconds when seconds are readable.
11,46
